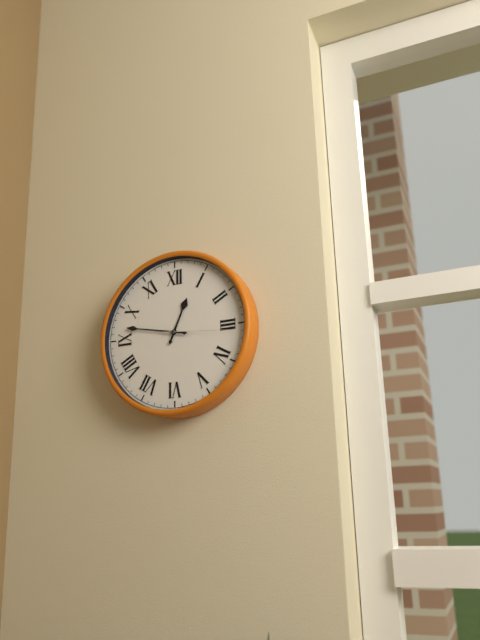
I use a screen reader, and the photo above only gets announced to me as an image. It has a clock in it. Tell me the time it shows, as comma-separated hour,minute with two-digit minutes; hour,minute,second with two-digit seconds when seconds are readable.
12,47,16
